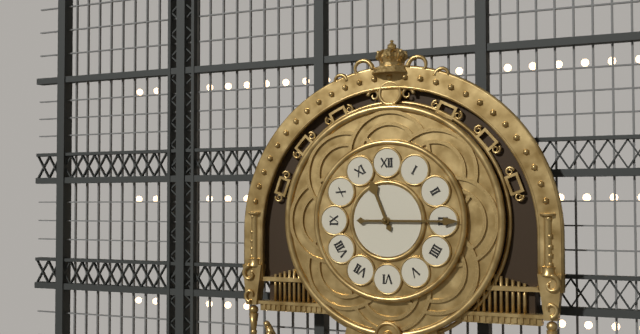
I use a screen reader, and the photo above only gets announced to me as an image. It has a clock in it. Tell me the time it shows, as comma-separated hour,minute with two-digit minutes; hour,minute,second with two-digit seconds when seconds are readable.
11,15
